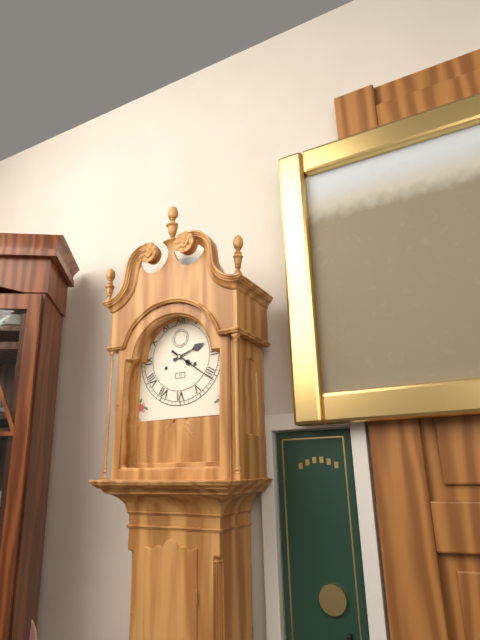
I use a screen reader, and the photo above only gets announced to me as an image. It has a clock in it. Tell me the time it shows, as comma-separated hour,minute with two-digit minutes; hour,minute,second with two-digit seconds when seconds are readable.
2,21
